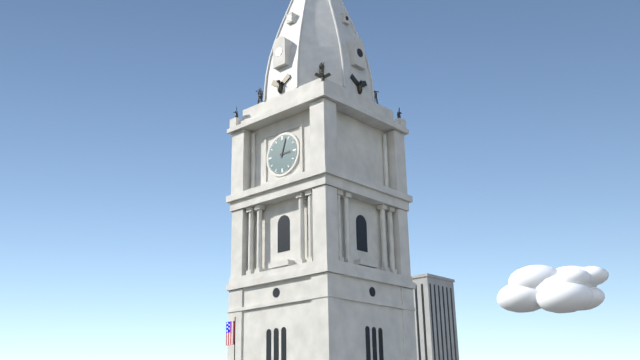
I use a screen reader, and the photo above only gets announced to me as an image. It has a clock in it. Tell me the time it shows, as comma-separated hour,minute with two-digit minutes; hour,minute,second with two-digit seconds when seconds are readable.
3,03
